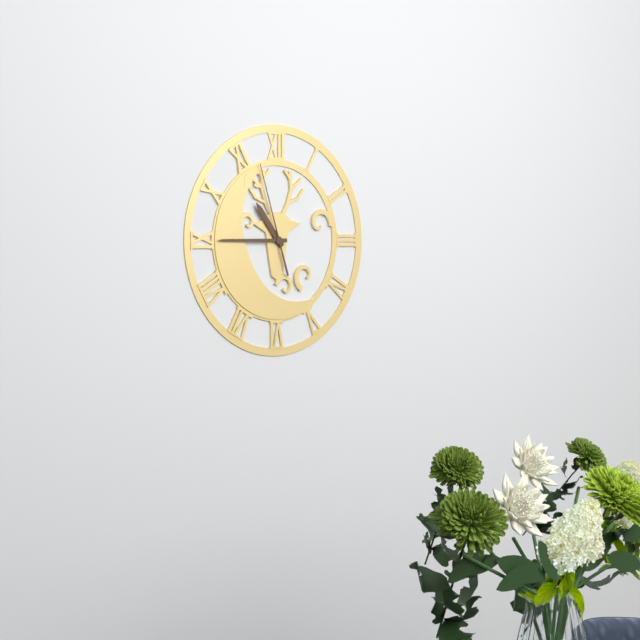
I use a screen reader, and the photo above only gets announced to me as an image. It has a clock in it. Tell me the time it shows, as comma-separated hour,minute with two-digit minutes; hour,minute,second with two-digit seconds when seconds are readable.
10,45,57
